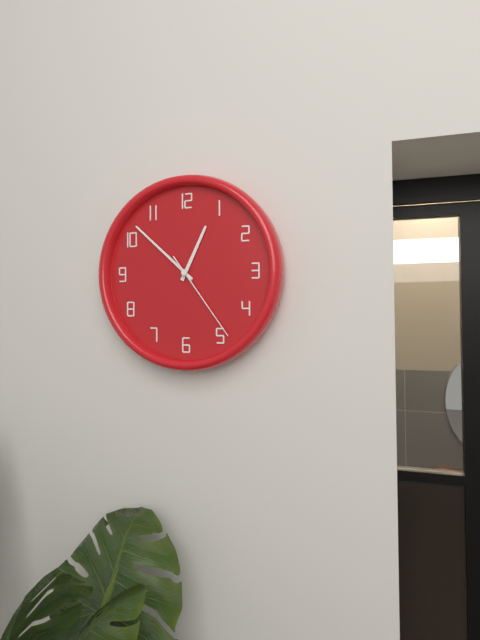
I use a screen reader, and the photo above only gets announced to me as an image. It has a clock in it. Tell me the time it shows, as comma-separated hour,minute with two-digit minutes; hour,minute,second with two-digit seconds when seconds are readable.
12,52,24
